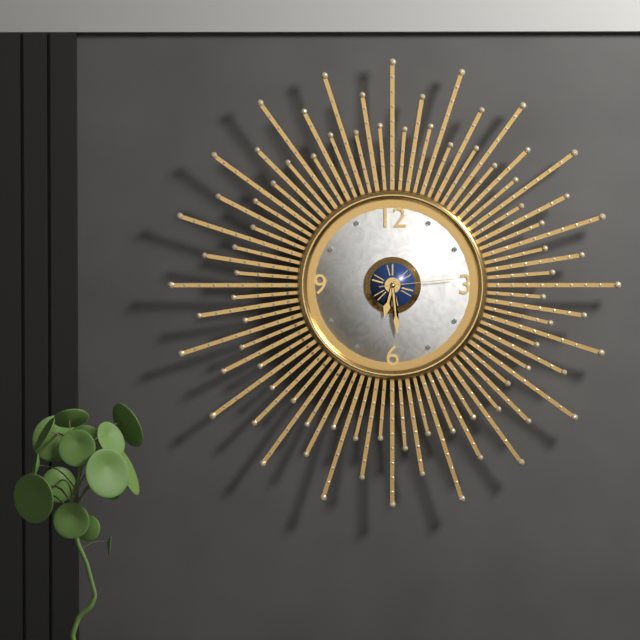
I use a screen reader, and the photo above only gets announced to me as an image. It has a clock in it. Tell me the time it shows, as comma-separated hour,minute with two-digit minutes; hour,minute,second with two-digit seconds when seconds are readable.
6,29,14
